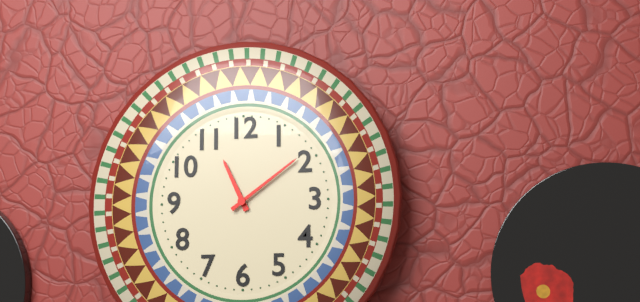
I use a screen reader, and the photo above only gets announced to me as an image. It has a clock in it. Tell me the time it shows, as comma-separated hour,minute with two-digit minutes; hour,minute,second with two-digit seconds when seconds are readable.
11,09
